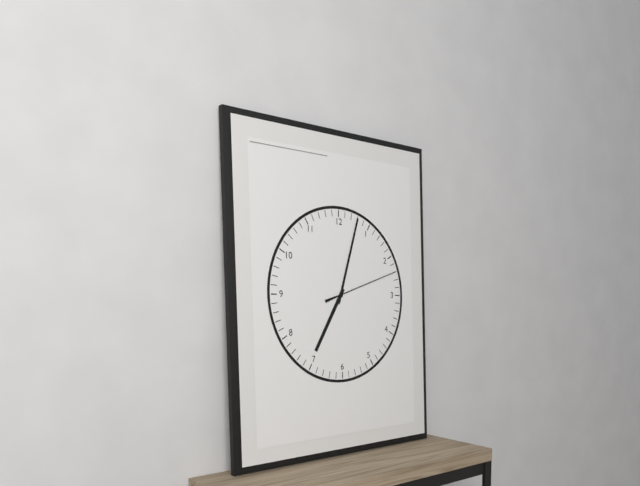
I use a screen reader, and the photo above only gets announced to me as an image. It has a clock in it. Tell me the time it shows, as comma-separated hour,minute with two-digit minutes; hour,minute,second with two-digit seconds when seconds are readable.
7,03,12
